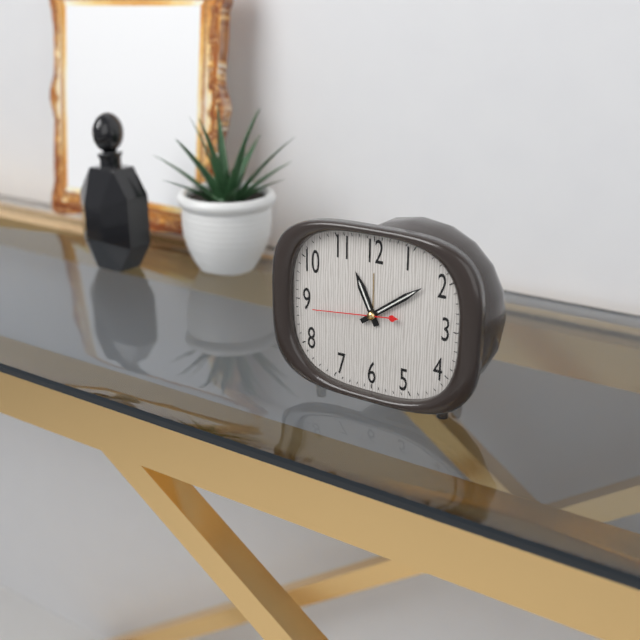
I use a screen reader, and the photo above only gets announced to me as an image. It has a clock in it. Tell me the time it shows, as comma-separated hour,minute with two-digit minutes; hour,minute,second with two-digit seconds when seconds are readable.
11,09,44
